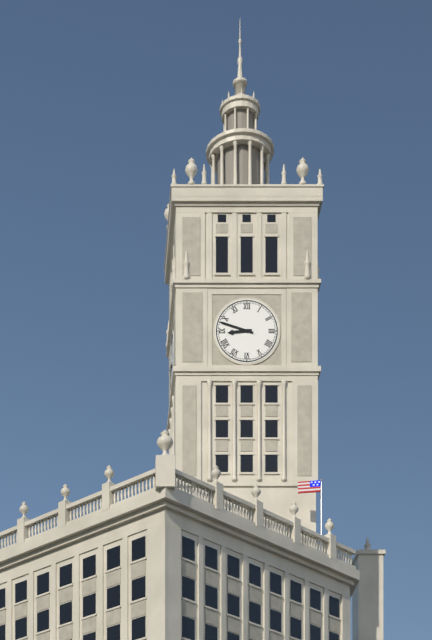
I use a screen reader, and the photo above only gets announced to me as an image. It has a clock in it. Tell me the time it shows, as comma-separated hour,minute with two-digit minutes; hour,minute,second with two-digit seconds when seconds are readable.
8,48
